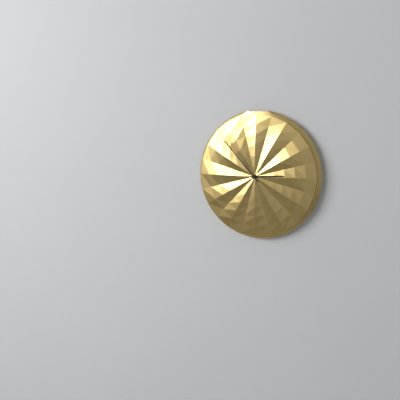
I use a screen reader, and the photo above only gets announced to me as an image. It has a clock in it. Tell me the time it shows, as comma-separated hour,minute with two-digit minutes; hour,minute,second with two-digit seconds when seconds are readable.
2,53
